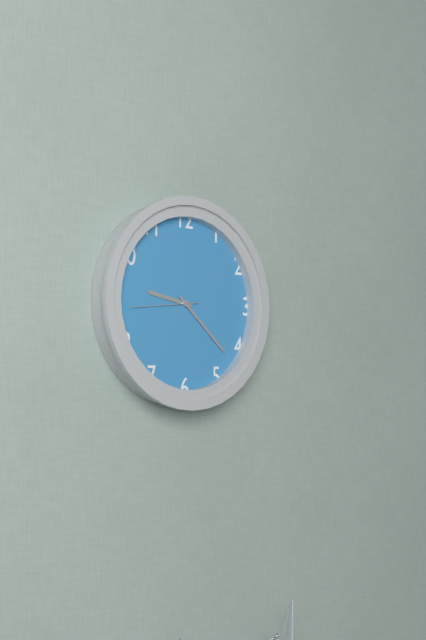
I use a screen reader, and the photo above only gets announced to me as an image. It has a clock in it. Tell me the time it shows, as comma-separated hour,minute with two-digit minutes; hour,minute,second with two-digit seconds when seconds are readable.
9,22,44
